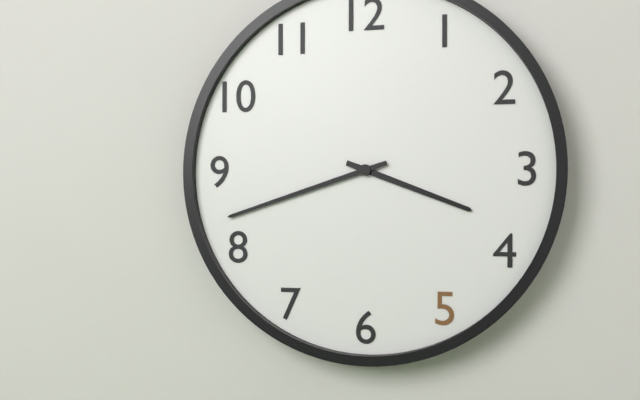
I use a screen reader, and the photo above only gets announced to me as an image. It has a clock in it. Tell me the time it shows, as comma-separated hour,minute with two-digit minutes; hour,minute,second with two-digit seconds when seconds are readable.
3,42
